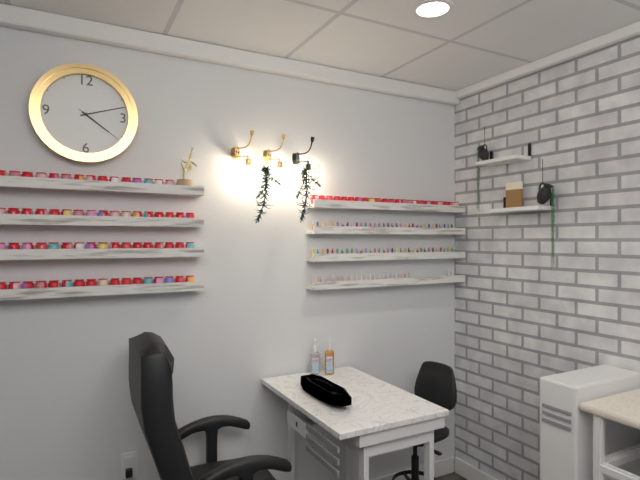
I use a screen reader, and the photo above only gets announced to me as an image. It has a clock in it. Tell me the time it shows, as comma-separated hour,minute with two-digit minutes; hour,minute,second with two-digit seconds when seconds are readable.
4,12,21
